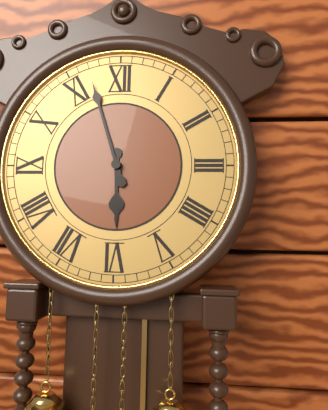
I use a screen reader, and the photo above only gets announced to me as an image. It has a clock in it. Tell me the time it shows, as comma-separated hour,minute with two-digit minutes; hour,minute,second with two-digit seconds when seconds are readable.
5,57
